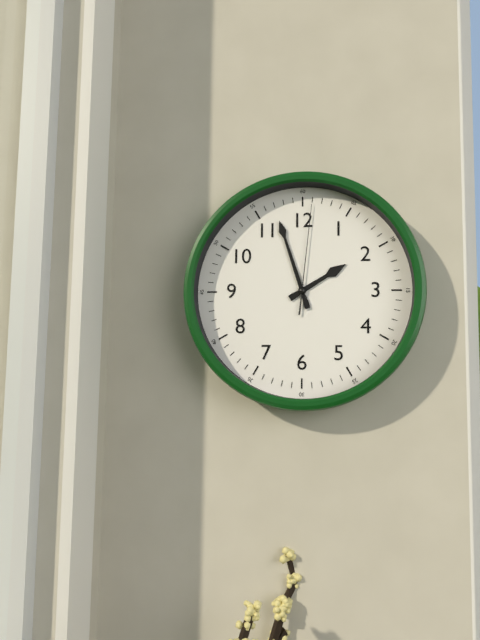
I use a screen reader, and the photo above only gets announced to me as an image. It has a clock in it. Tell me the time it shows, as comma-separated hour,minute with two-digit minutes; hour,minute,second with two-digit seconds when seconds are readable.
1,57,01
